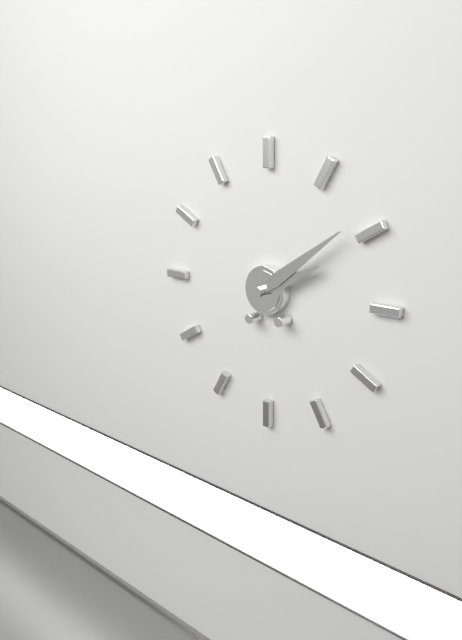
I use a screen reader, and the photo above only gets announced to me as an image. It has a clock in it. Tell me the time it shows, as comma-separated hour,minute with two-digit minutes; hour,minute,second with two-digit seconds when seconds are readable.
2,09
